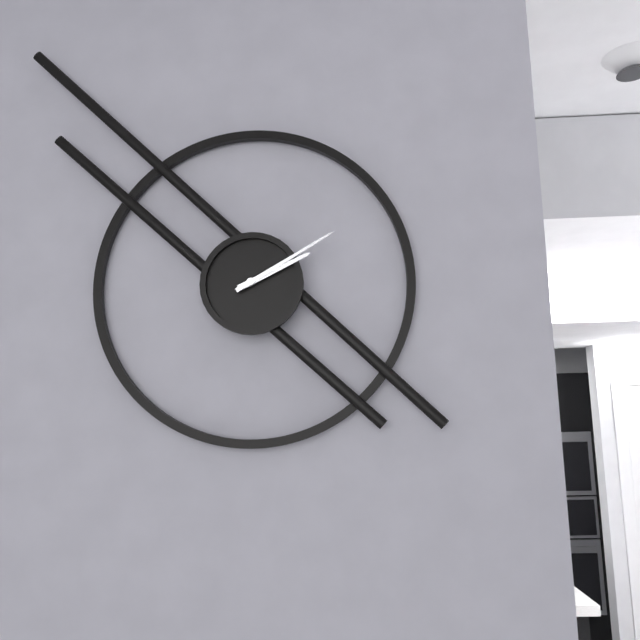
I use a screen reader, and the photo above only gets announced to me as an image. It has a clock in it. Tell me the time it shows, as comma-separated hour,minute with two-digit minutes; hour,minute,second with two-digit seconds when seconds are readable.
2,10
